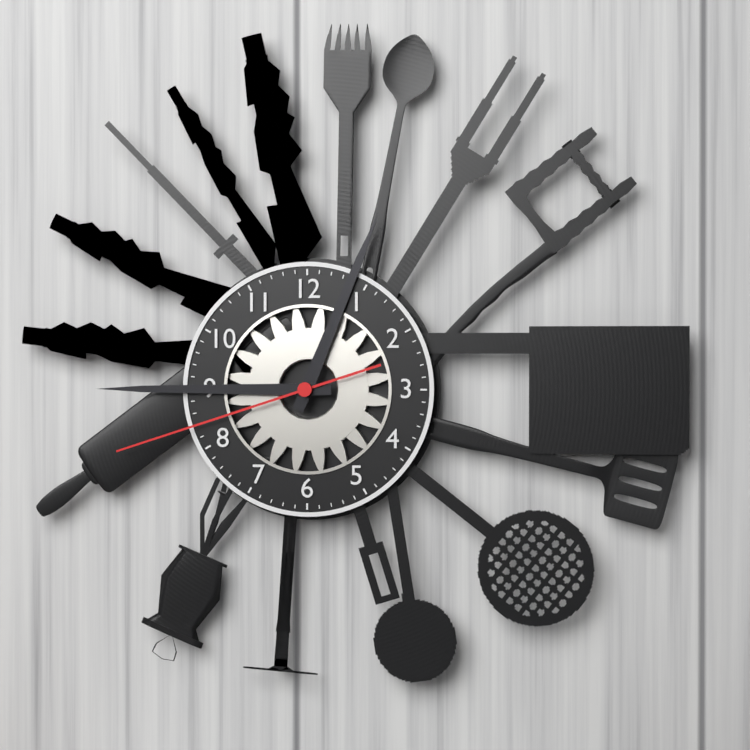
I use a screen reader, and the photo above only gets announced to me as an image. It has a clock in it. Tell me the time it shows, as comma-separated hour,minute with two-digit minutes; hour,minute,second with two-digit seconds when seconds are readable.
12,45,42
